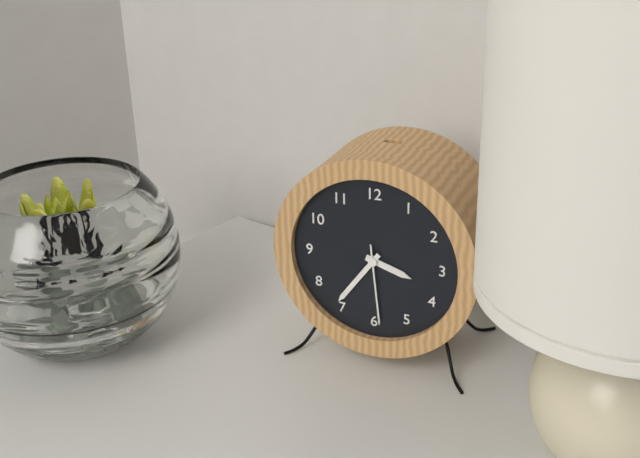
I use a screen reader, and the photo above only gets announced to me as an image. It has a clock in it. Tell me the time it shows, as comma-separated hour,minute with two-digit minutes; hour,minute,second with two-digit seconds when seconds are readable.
3,36,29
